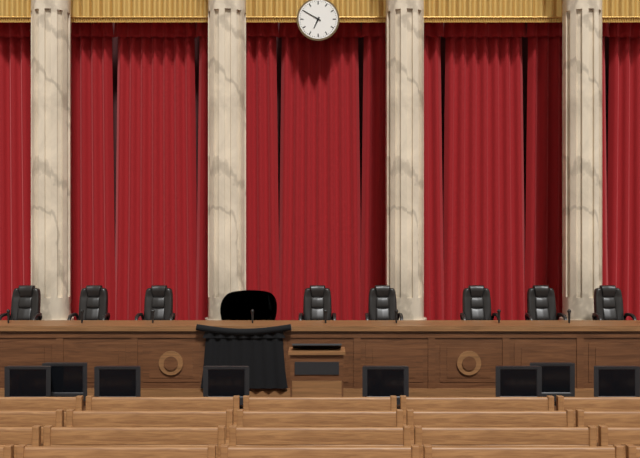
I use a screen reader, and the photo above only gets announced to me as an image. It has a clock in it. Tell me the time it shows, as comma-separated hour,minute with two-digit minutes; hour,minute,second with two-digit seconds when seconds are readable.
6,50
